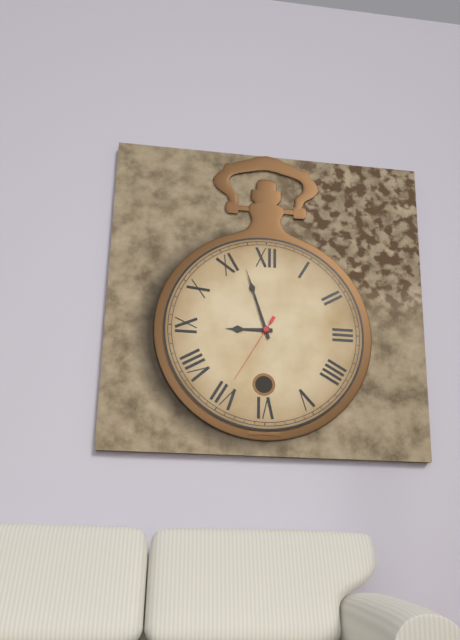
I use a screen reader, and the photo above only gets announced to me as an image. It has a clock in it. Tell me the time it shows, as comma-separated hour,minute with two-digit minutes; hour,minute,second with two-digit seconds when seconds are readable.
8,57,35
